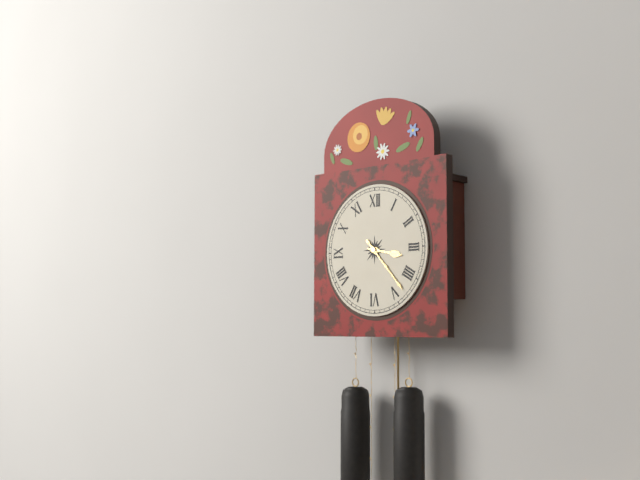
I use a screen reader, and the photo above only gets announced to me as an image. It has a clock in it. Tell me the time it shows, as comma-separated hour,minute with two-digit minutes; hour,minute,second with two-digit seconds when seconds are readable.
3,23
